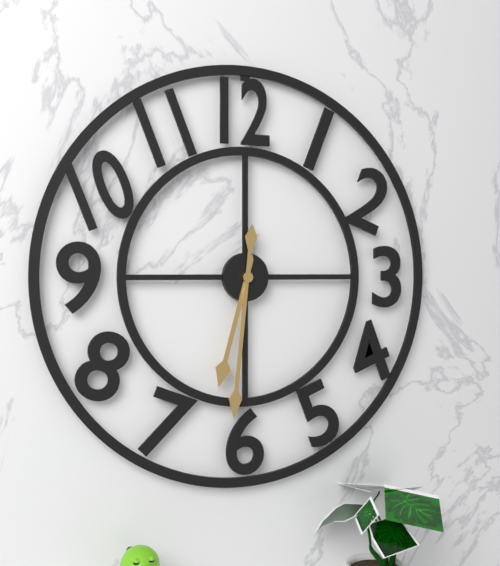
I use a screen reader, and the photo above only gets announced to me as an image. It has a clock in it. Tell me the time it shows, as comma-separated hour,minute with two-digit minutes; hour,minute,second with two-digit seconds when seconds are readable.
6,31
